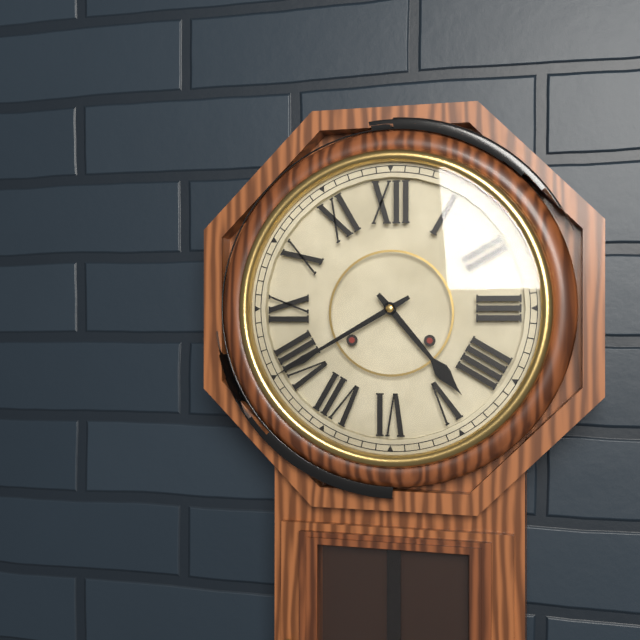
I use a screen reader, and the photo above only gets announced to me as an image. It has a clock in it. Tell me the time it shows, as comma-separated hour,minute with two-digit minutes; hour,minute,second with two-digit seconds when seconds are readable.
4,40
